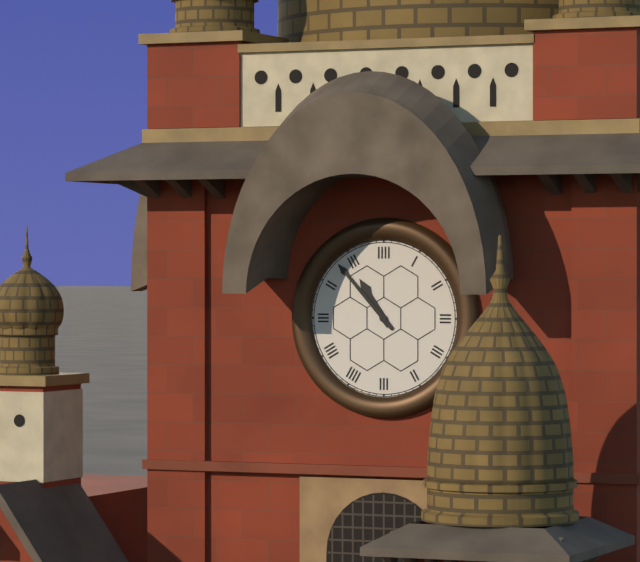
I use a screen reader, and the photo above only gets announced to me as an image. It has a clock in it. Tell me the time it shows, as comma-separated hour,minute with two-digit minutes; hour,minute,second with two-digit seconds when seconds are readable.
10,53
